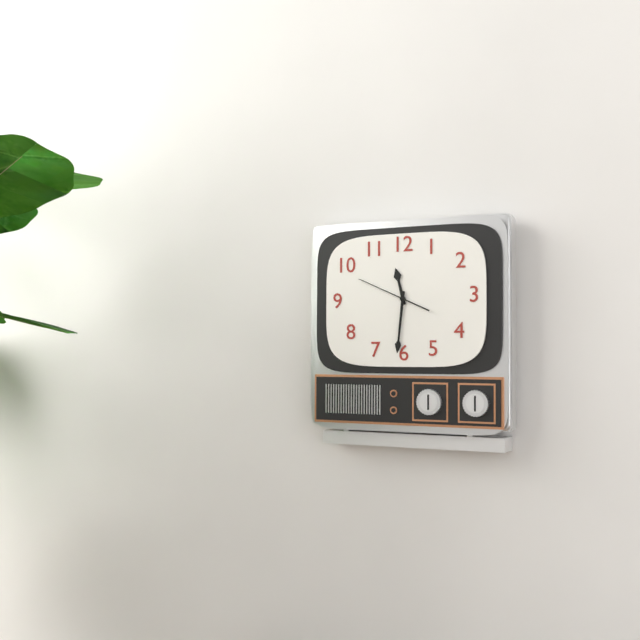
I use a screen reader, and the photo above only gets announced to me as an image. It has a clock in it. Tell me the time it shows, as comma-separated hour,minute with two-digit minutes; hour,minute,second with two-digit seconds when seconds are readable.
11,31,49
